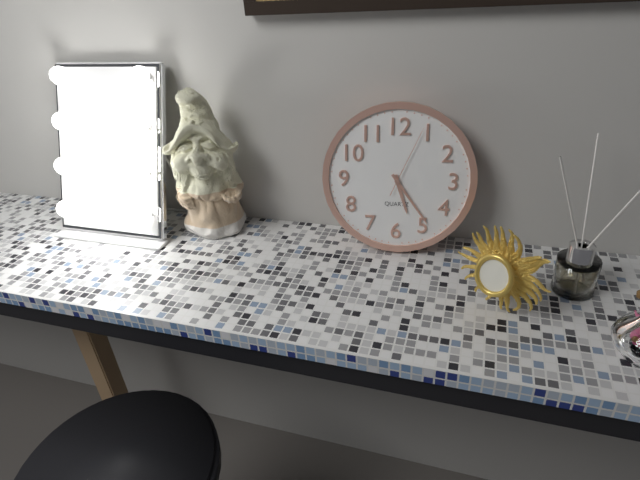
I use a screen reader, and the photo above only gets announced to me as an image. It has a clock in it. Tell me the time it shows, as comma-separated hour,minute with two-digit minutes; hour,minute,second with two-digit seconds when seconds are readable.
5,24,04
